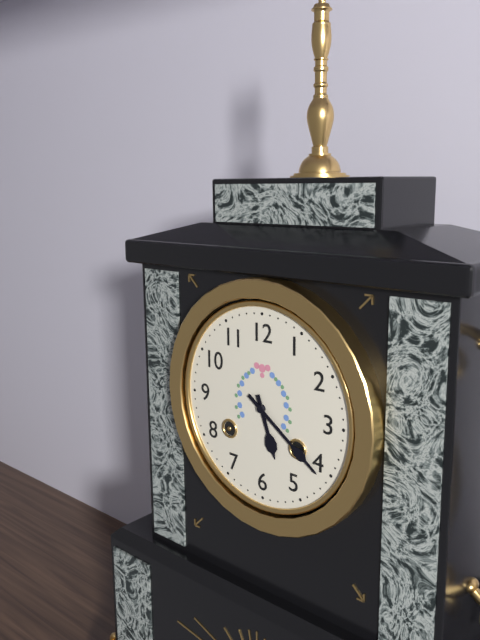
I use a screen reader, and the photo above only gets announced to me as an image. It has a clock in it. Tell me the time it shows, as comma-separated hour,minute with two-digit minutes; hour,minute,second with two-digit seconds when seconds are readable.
5,21
